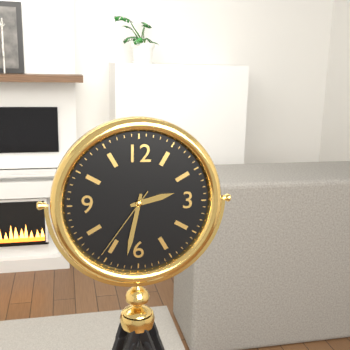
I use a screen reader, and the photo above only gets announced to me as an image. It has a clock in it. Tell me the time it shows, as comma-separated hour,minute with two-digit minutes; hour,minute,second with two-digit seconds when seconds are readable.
2,32,36
